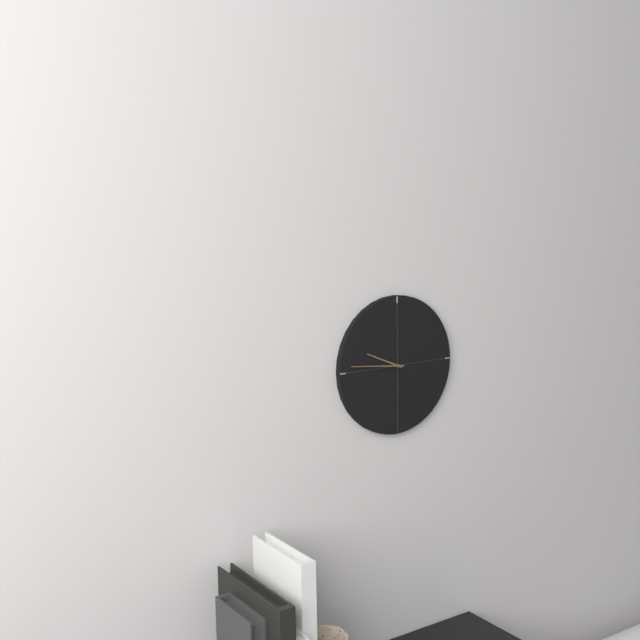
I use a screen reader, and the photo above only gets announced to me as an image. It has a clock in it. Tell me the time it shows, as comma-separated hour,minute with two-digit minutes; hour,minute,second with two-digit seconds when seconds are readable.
9,46
